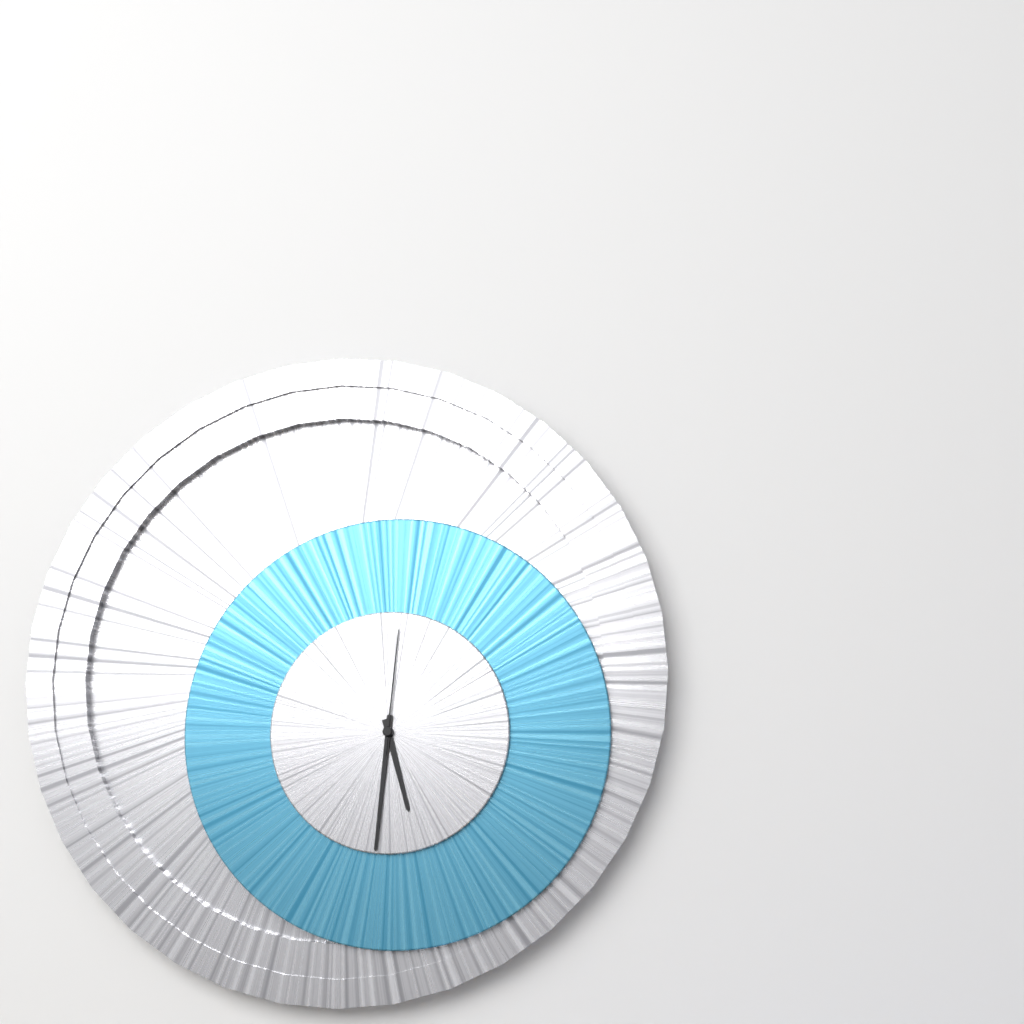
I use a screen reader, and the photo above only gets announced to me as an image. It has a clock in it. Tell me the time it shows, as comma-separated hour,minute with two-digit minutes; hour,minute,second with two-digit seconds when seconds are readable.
5,31,01
